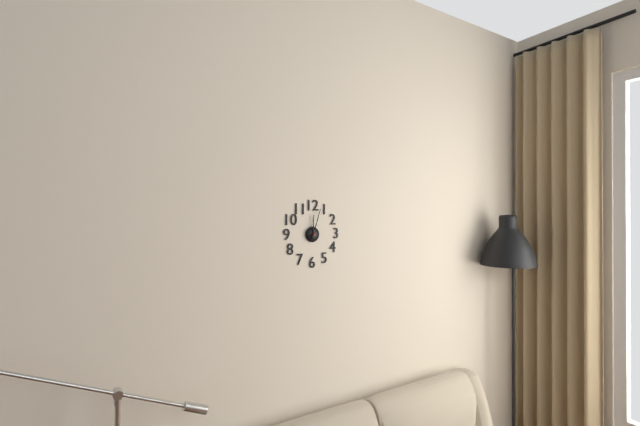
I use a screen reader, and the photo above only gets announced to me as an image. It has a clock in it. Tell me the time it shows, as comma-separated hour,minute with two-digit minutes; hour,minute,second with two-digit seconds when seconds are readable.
12,03
